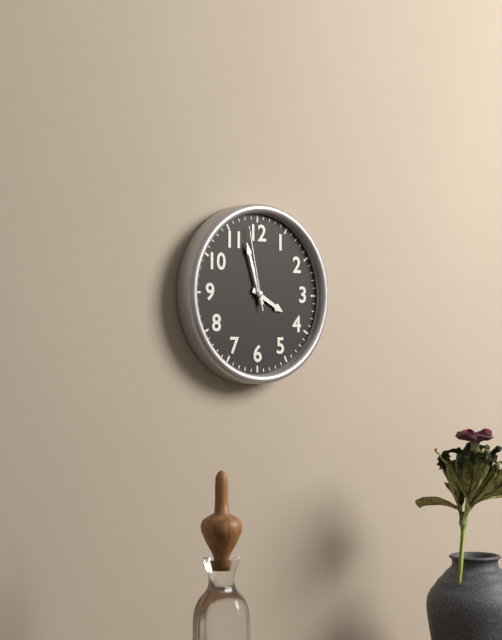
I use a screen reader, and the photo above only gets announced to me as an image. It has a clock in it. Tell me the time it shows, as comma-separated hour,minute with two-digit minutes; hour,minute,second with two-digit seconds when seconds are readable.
3,57,58
